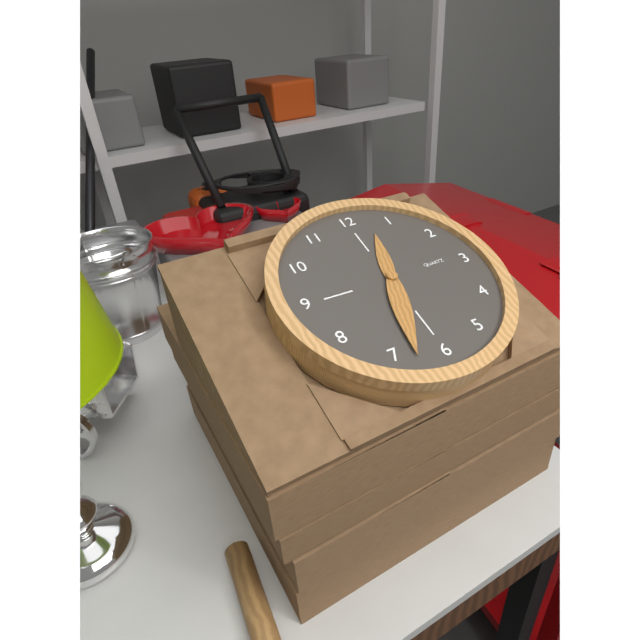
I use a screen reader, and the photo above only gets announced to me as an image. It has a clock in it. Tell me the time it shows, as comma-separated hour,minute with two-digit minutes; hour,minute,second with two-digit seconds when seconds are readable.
12,33
